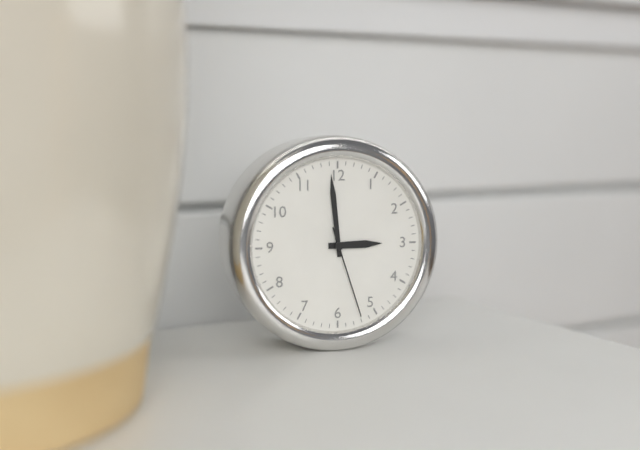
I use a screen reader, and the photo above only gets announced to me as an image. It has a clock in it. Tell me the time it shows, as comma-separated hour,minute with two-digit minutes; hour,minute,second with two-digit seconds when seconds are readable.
2,59,27
